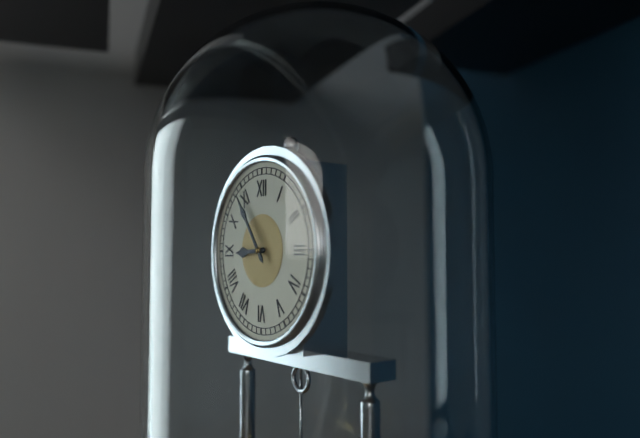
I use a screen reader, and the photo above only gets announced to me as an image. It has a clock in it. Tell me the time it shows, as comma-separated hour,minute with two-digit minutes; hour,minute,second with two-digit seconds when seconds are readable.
8,54
